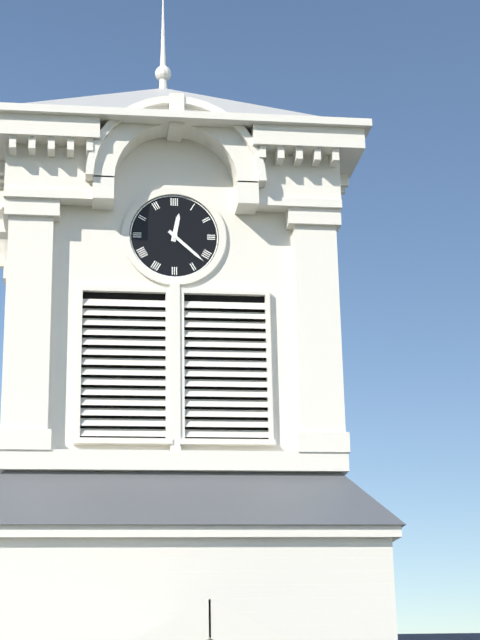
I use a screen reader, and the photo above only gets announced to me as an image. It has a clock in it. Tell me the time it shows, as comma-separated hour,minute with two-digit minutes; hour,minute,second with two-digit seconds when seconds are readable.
12,22
